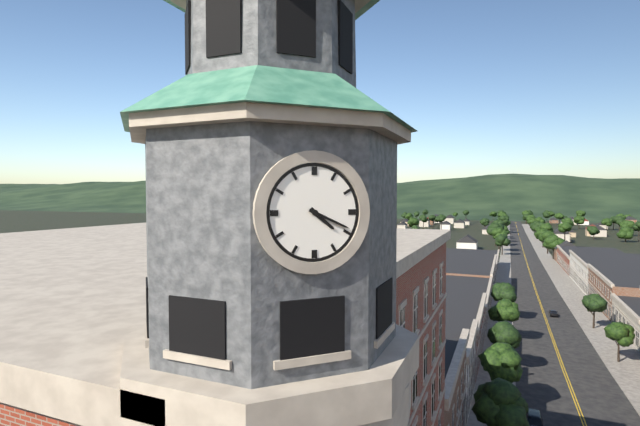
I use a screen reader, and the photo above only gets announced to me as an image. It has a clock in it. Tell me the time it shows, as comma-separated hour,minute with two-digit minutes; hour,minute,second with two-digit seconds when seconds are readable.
4,19
